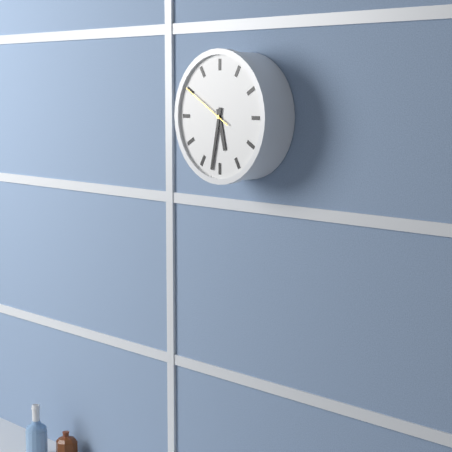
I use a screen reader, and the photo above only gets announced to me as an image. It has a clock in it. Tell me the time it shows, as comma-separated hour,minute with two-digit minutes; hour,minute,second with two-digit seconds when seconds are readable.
5,32,50
